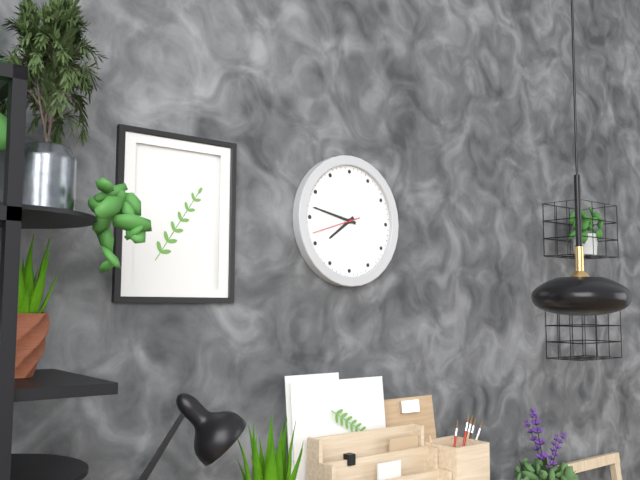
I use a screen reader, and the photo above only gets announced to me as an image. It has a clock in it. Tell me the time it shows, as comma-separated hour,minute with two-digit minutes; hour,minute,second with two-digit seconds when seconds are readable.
7,47
